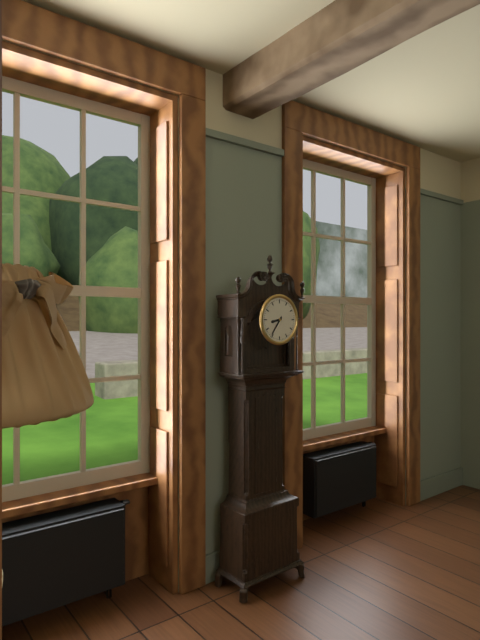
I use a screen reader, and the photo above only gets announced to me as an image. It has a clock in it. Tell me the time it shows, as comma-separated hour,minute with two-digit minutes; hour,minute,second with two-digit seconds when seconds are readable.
8,36
